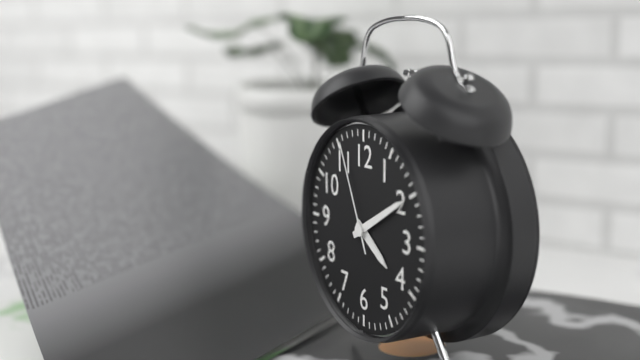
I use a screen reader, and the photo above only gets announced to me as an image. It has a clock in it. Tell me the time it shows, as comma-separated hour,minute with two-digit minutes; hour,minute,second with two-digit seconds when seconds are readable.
4,10,56
